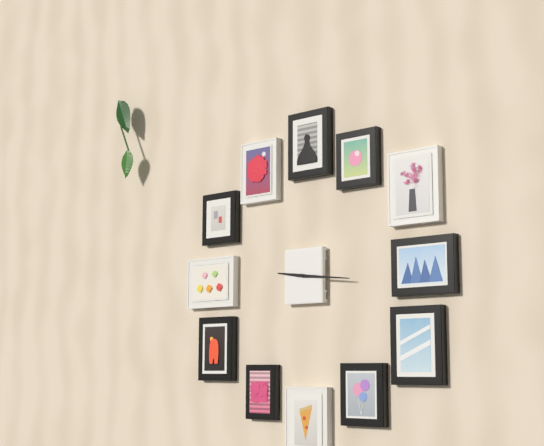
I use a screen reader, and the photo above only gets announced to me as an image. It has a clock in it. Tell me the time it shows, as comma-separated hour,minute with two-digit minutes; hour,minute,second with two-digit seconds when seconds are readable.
9,16
